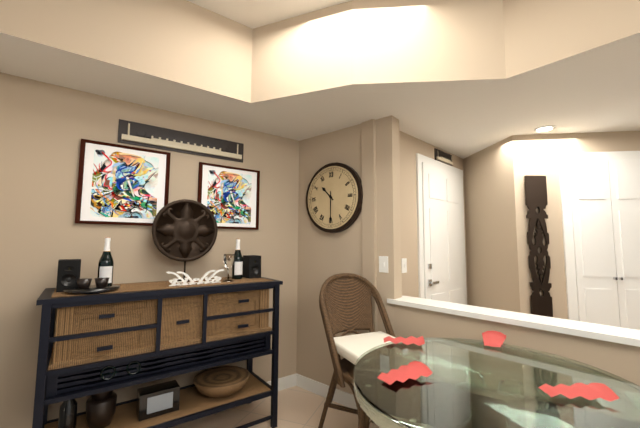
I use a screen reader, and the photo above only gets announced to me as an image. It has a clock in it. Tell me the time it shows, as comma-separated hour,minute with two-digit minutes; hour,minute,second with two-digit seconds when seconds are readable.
10,30
